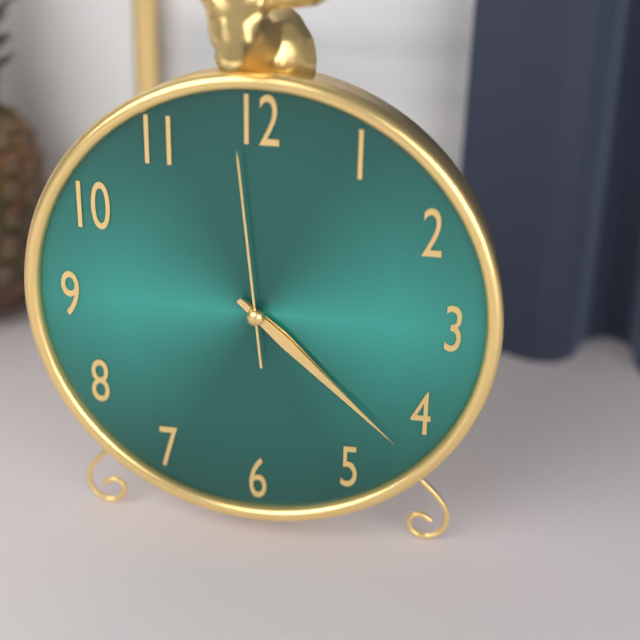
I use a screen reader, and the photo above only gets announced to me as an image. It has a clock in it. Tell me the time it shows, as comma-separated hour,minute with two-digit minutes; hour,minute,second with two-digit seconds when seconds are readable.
4,22,59
